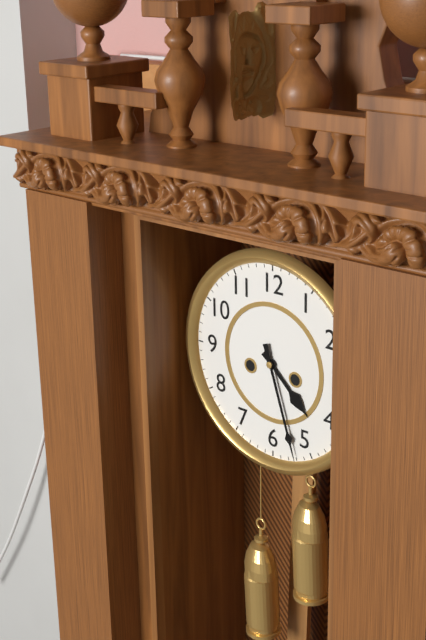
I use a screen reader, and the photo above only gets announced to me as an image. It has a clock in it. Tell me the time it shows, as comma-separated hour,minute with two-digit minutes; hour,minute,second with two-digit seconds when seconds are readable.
4,27
